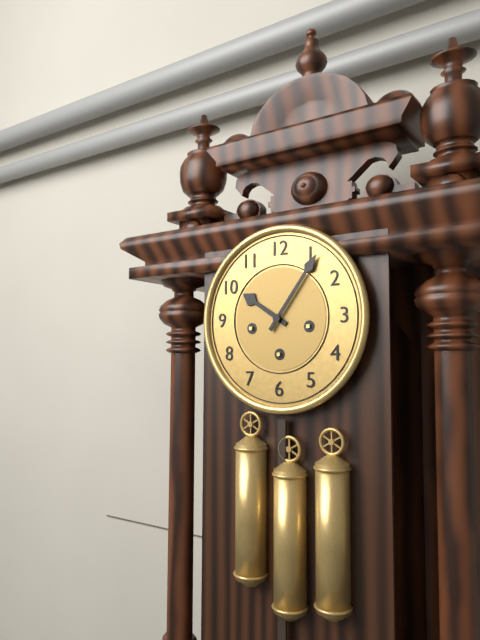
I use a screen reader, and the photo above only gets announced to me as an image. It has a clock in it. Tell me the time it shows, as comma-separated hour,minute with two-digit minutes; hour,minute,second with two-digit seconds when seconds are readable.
10,06
